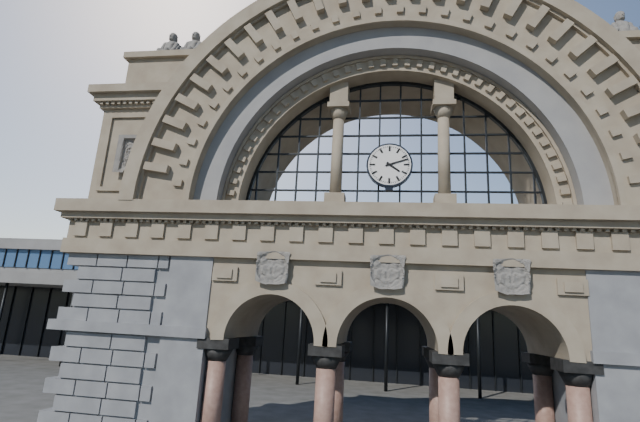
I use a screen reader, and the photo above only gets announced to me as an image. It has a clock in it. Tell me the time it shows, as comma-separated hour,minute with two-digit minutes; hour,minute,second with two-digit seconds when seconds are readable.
4,12
